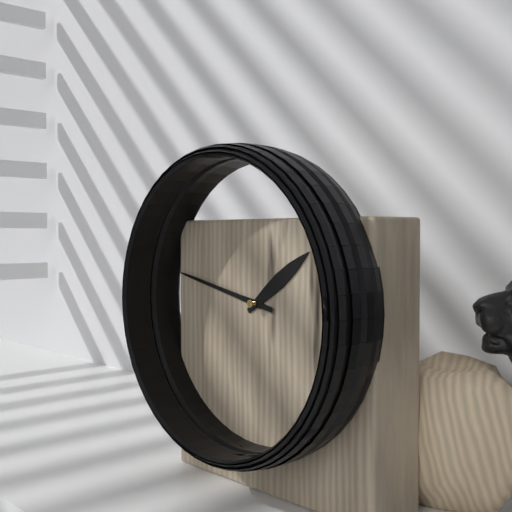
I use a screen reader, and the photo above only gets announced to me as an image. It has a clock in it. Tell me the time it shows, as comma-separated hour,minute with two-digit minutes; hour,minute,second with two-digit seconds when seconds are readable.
1,47
